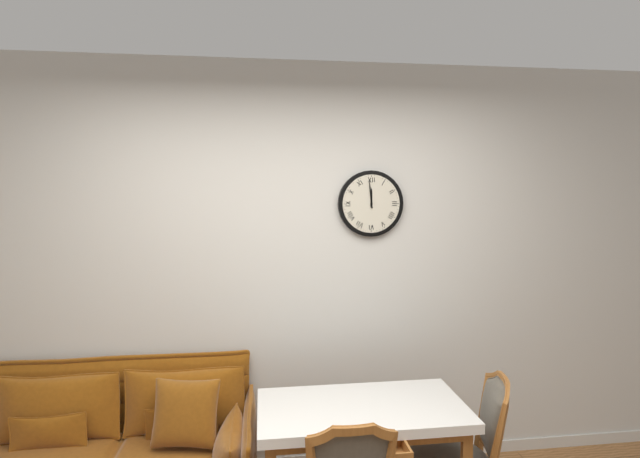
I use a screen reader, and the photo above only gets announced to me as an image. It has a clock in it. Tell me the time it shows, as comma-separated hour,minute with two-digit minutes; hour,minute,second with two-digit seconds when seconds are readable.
11,59
